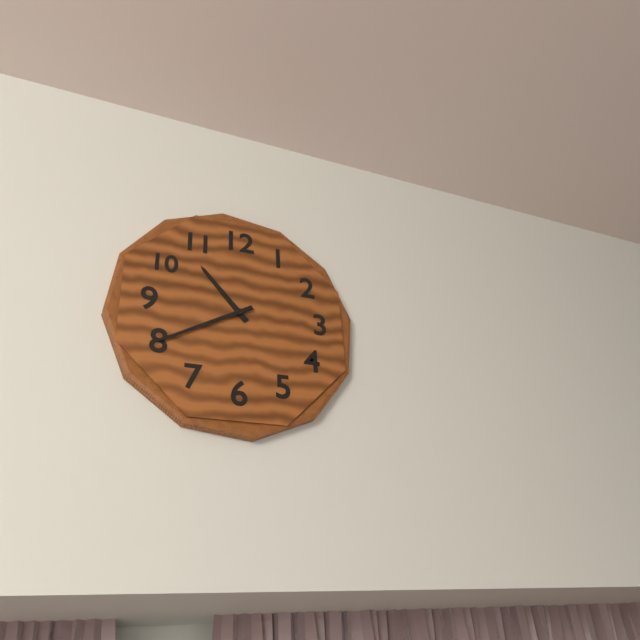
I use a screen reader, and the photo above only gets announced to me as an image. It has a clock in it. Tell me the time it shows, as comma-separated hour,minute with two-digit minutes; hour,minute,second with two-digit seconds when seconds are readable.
10,40
